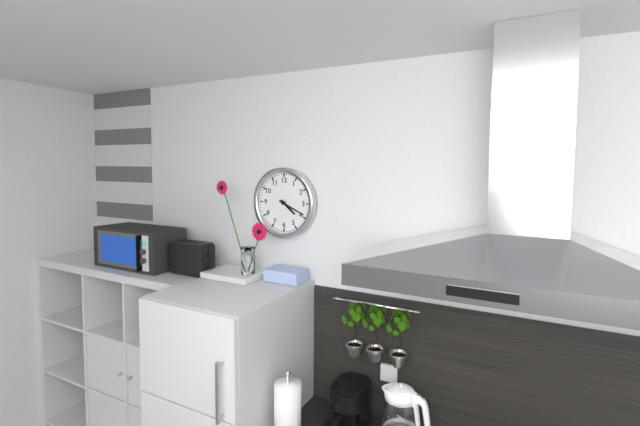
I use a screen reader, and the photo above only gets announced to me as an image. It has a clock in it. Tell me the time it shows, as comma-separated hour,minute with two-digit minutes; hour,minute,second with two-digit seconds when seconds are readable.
4,19
